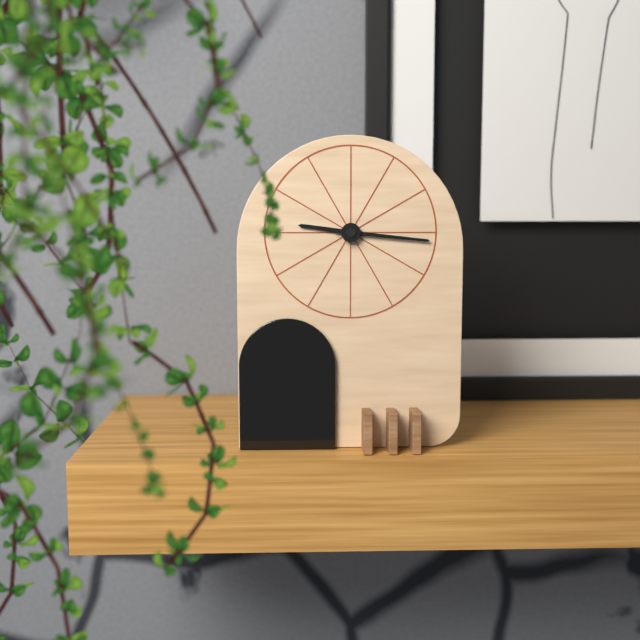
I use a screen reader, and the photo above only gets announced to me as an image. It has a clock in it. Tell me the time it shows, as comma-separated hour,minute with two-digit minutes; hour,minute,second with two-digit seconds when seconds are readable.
9,16
